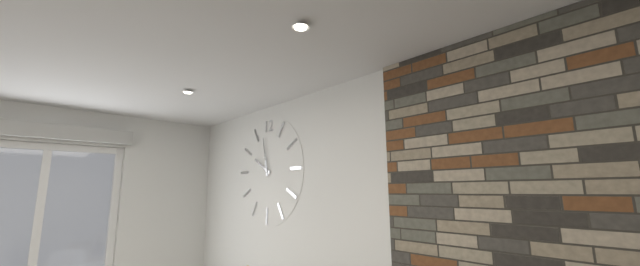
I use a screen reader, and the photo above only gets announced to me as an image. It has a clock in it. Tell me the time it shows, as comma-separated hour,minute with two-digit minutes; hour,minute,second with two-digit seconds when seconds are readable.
9,58
